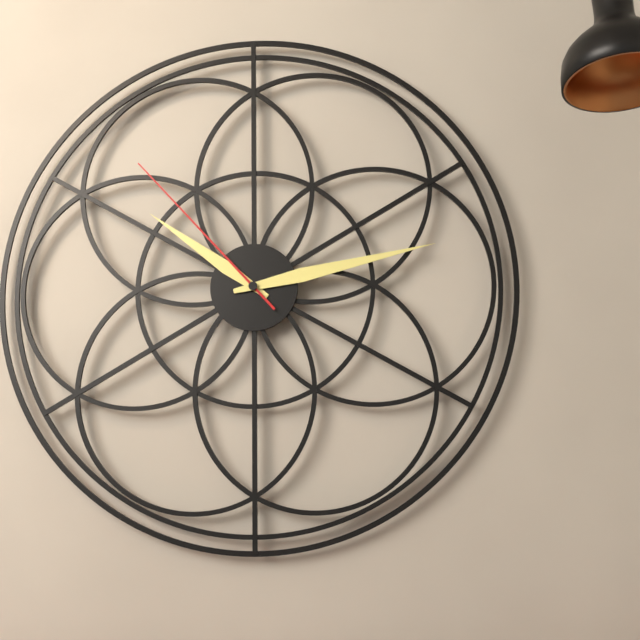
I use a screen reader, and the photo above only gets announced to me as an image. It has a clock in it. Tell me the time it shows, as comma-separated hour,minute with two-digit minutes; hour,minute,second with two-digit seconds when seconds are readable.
10,13,53
